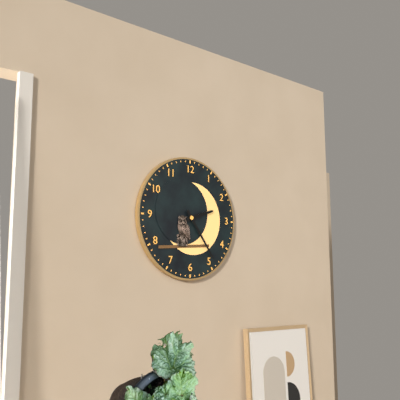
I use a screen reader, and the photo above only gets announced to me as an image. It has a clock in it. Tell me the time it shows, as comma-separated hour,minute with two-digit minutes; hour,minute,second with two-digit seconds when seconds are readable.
2,24
